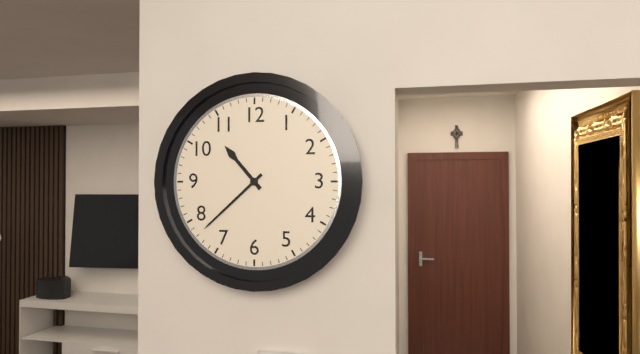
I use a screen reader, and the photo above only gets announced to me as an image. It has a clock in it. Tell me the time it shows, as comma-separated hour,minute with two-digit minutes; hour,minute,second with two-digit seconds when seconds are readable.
10,38
